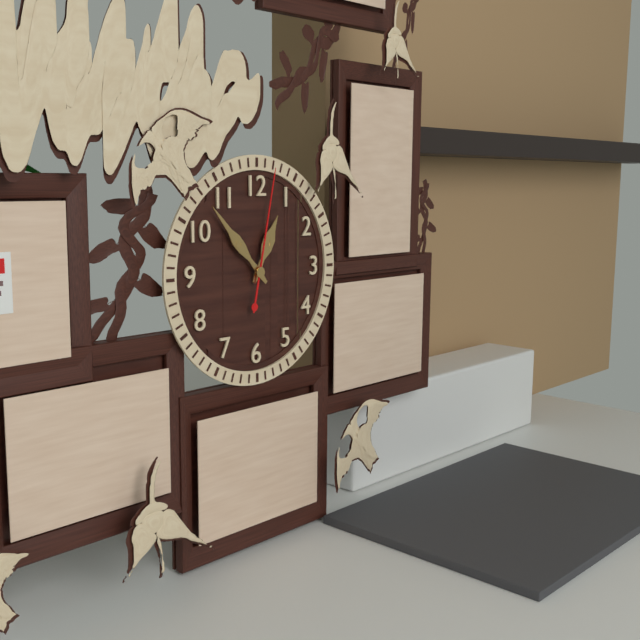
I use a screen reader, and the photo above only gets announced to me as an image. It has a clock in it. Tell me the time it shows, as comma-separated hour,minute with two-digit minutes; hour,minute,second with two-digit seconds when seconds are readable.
12,53,02
